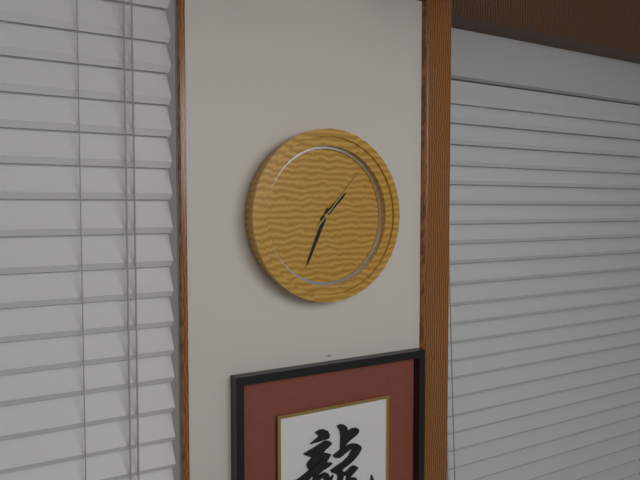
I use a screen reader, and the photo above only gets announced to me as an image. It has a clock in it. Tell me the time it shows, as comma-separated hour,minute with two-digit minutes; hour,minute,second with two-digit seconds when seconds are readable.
1,34,07
